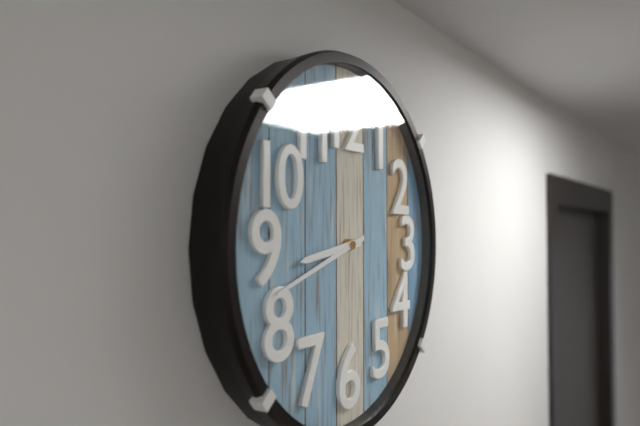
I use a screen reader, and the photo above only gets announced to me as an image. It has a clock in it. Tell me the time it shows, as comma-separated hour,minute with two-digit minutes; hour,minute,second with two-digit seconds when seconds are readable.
8,42
